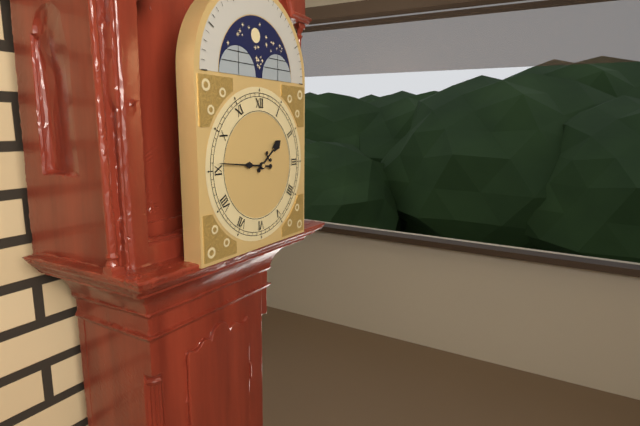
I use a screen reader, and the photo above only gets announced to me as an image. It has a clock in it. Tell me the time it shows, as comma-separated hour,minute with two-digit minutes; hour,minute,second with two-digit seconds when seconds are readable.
1,46
